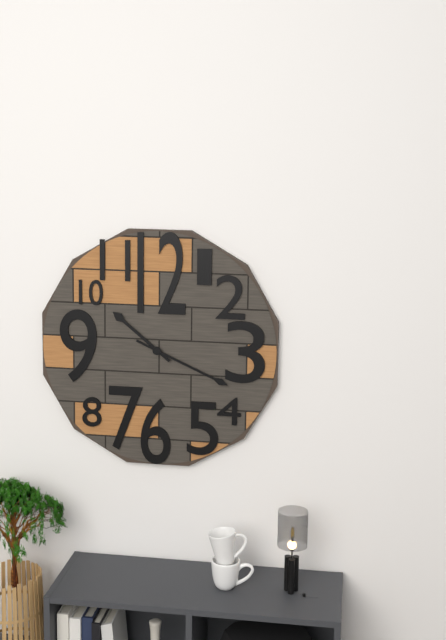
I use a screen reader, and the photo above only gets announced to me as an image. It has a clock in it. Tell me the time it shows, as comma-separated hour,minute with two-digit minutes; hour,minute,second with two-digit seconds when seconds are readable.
10,19
